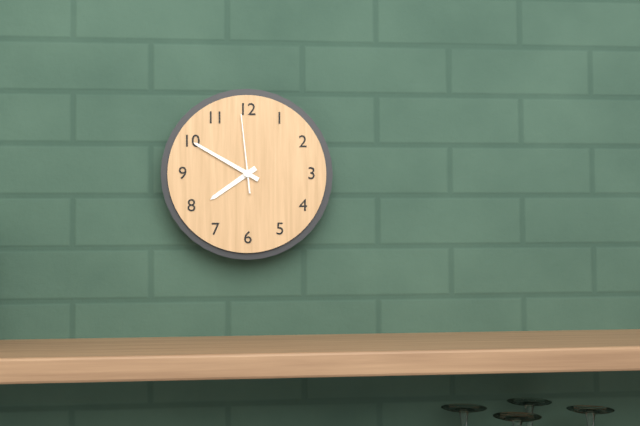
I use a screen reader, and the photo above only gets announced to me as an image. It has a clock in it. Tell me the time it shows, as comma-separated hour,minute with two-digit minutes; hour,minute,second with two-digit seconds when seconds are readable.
7,50,59
